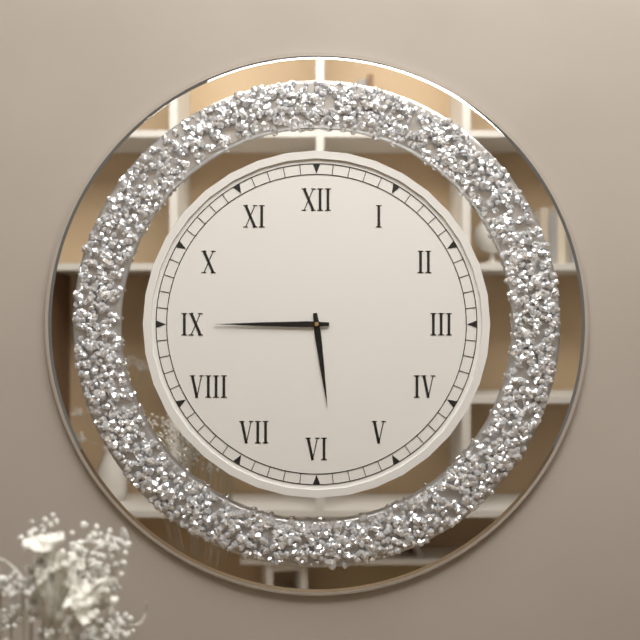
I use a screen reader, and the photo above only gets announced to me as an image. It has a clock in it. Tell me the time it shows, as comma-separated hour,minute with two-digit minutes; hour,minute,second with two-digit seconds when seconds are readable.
5,45
